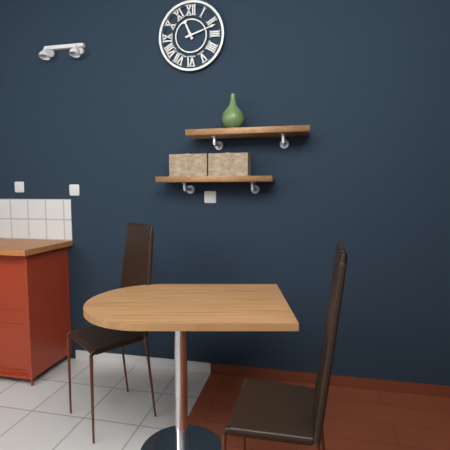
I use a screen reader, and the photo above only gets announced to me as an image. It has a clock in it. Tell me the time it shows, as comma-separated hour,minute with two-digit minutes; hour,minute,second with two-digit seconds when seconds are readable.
11,12
